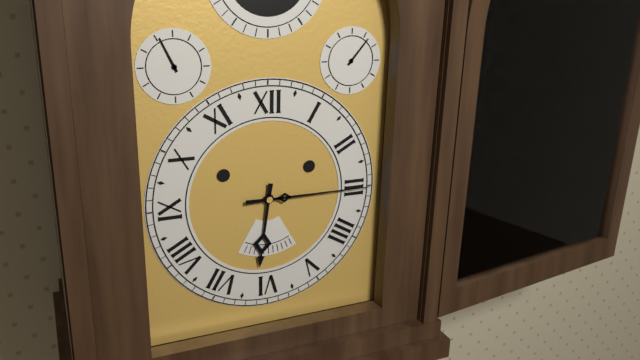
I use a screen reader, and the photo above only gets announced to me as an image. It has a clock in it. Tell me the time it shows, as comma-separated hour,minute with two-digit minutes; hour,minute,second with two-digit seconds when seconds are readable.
6,15
